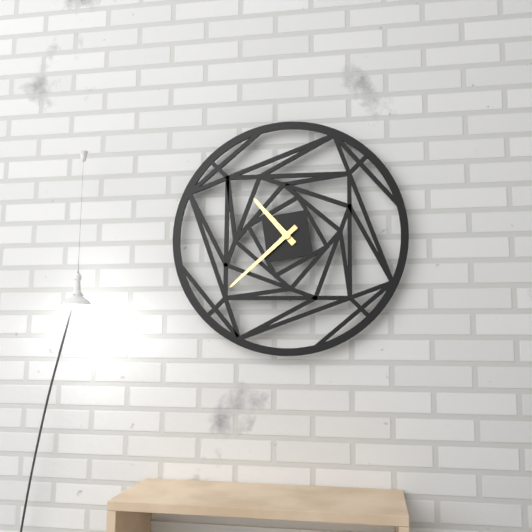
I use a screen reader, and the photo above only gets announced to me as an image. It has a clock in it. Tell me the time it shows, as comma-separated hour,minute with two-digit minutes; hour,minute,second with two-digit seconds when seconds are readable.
10,38
